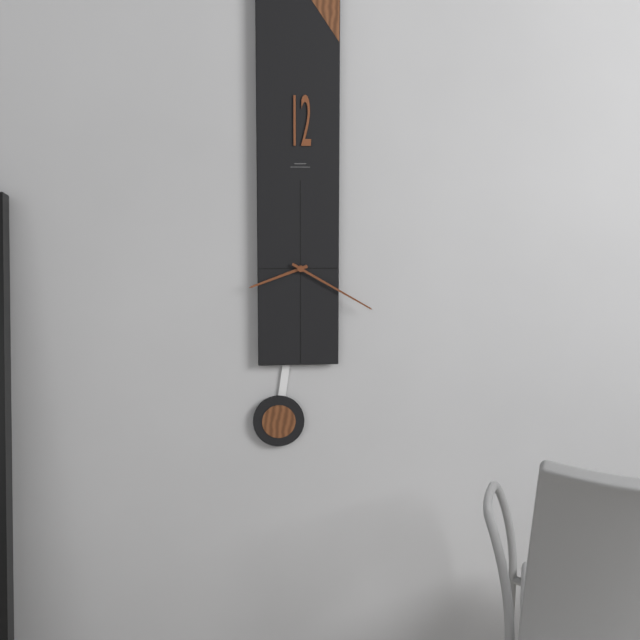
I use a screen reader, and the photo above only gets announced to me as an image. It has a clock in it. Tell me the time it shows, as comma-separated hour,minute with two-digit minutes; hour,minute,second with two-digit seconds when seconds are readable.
8,20
